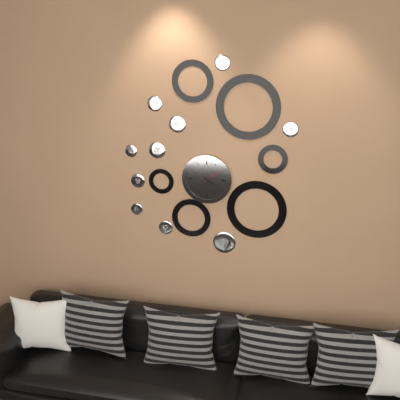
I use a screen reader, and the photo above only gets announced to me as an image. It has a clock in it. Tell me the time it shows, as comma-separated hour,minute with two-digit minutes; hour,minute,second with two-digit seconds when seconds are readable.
4,20
